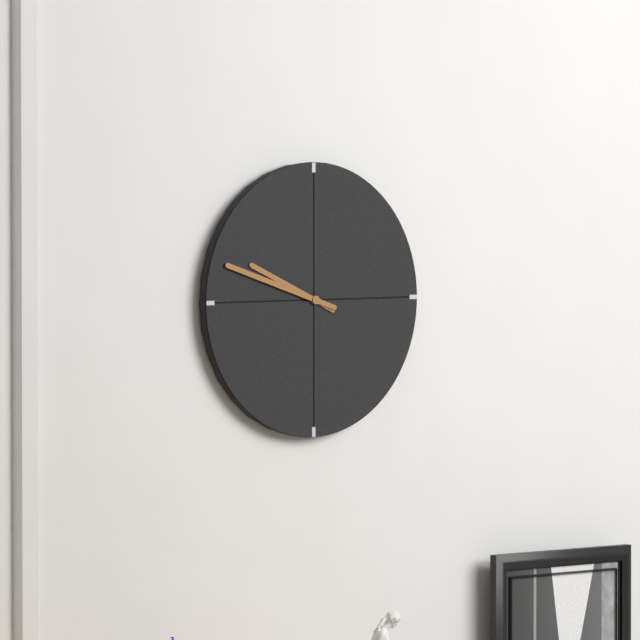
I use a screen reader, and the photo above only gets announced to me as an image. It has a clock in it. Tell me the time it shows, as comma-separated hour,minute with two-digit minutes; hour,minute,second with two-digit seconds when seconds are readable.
9,48
